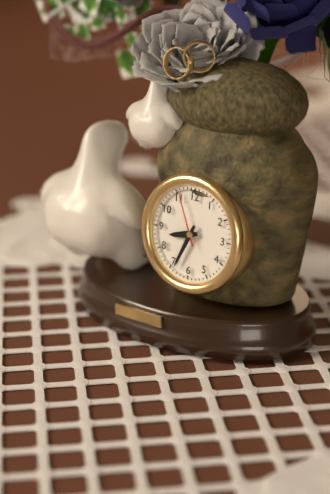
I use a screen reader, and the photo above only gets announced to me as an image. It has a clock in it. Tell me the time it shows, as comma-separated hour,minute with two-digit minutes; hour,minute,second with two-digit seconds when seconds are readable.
8,34,56
